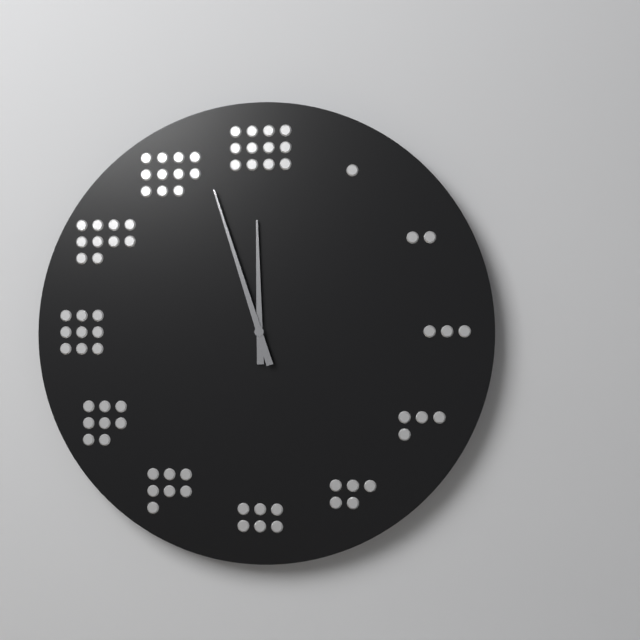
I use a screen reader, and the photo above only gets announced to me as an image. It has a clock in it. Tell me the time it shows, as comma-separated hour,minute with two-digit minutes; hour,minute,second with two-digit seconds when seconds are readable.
11,57
